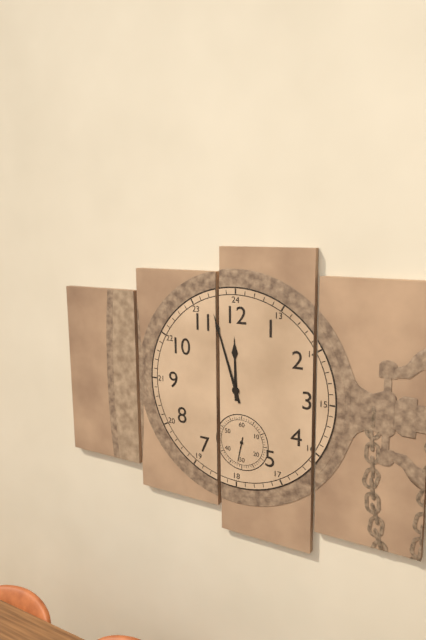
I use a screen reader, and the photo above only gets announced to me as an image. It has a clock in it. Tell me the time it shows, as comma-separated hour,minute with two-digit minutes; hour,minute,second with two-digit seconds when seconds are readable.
11,57
